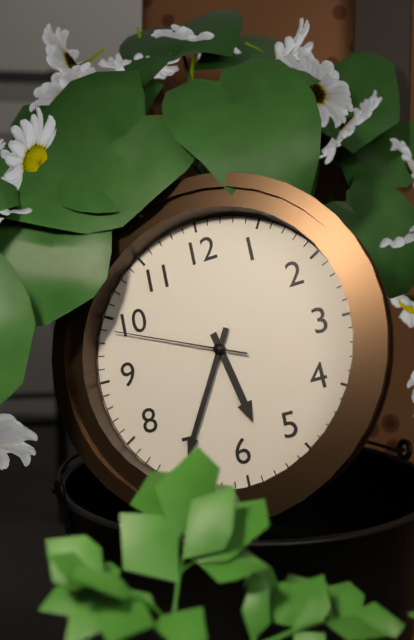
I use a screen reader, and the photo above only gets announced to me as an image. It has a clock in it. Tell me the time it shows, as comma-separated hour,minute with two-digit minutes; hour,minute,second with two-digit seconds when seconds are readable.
5,35,49
